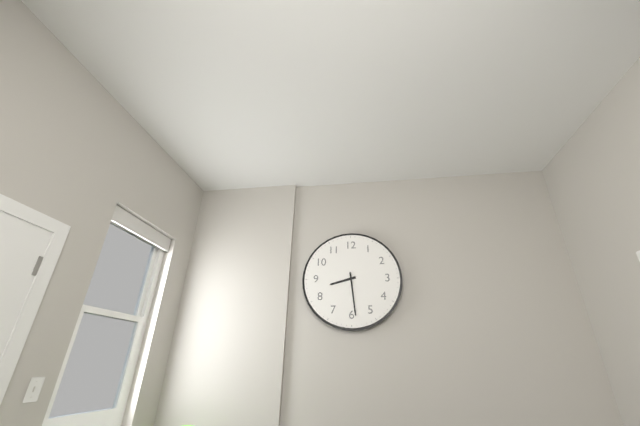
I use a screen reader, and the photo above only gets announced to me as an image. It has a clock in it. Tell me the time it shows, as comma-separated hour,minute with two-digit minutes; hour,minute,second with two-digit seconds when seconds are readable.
8,29
